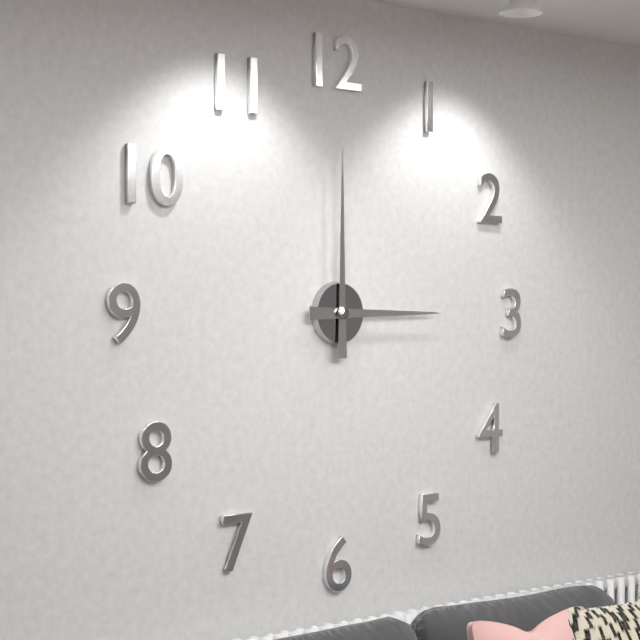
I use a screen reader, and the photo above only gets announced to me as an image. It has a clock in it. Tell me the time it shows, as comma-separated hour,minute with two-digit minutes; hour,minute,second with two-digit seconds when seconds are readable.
3,00
